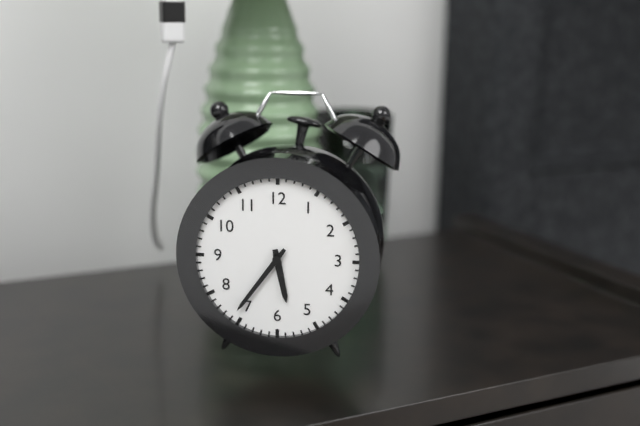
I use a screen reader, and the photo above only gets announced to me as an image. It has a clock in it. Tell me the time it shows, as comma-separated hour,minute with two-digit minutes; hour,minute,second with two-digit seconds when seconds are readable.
5,36
